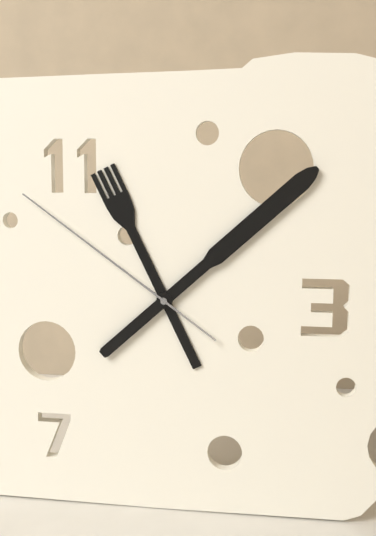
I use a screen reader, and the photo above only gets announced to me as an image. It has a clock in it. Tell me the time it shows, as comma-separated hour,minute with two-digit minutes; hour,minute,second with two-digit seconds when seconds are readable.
11,08,51
